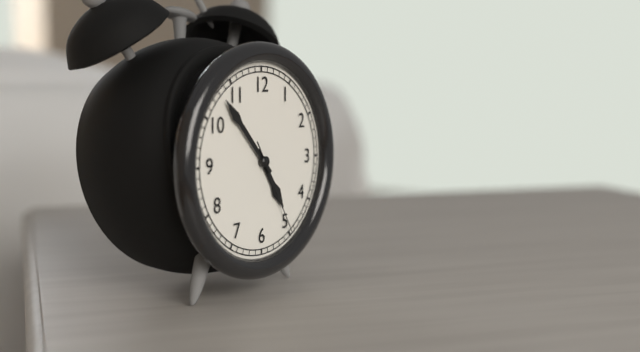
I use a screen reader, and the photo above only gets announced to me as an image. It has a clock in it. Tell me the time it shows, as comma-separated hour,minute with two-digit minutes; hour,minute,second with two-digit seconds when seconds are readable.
4,53,25
